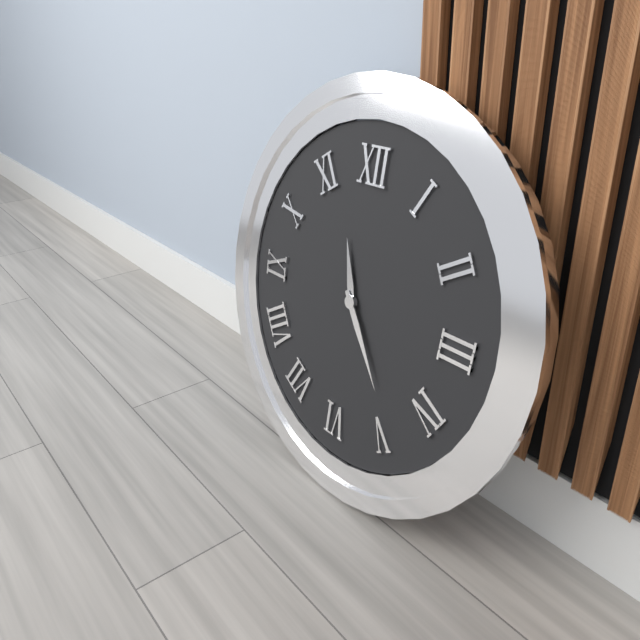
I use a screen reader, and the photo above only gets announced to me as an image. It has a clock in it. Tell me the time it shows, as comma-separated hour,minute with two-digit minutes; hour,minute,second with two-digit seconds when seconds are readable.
11,24
